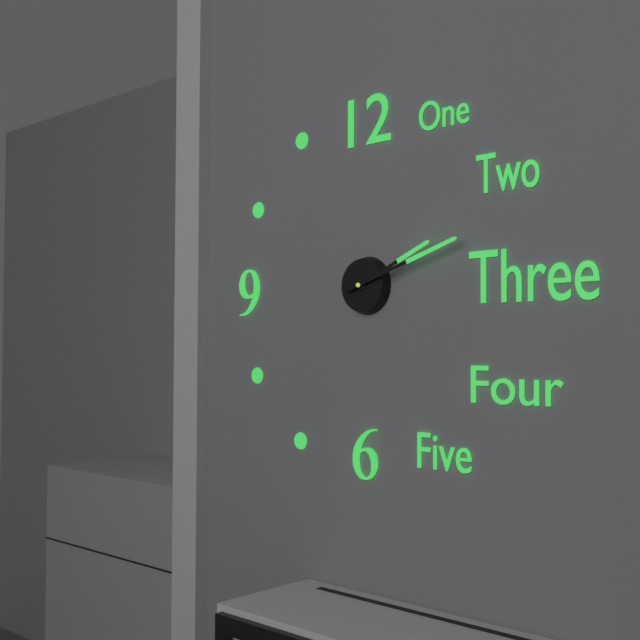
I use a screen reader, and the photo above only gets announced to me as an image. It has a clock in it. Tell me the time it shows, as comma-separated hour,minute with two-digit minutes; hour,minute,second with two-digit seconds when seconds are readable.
2,12
